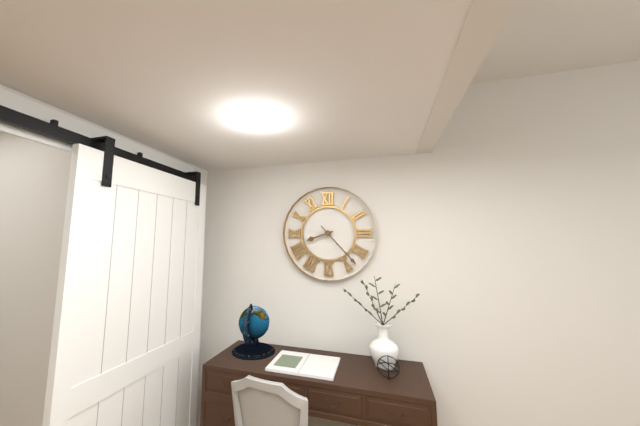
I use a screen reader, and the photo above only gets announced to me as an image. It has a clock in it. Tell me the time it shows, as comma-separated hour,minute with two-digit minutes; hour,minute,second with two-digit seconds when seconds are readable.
8,23
